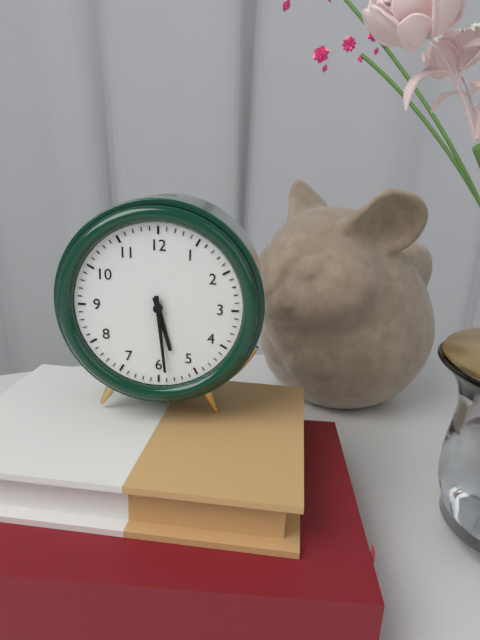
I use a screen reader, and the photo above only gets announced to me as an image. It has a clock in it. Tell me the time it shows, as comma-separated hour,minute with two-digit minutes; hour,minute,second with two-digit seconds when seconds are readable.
5,29
